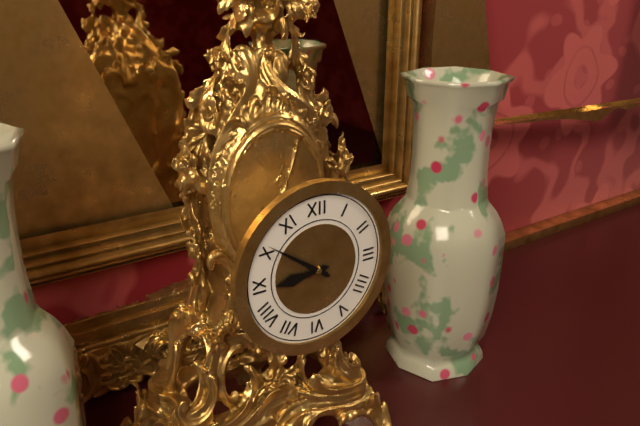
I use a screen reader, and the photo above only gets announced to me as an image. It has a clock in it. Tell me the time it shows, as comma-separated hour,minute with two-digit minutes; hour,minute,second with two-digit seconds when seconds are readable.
8,51
